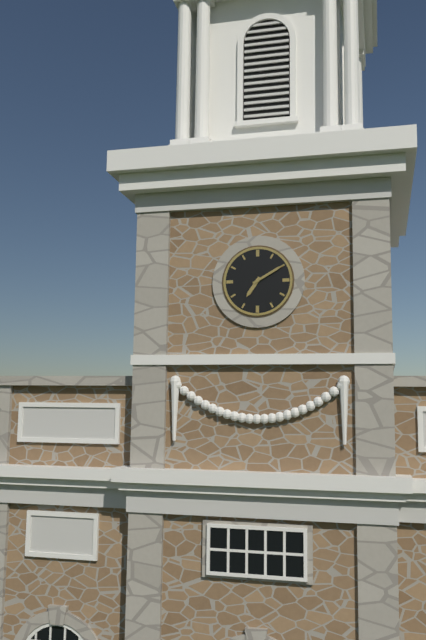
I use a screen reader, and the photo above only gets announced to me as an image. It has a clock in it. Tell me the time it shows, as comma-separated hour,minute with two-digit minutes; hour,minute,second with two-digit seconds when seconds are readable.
7,10
